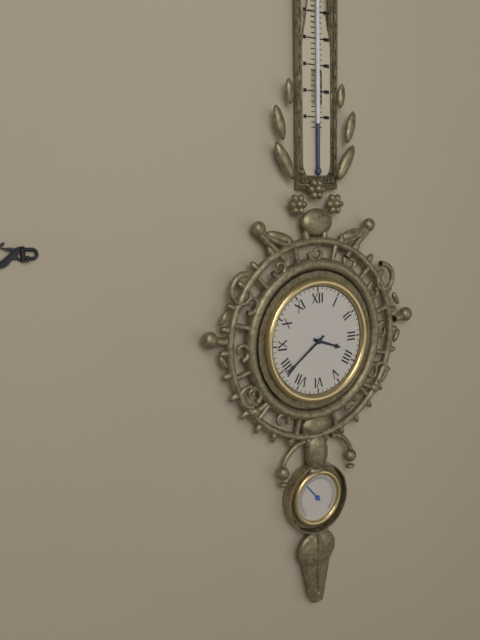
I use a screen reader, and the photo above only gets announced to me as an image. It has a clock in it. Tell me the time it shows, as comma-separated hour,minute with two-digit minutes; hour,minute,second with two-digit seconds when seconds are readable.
3,39
